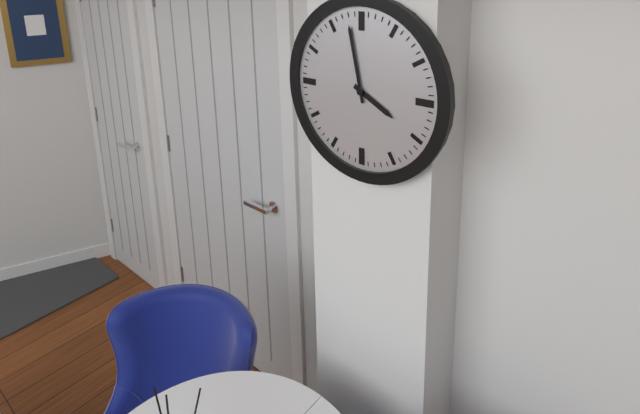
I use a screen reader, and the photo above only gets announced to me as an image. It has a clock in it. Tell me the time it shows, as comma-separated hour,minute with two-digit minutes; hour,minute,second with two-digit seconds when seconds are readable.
3,58
